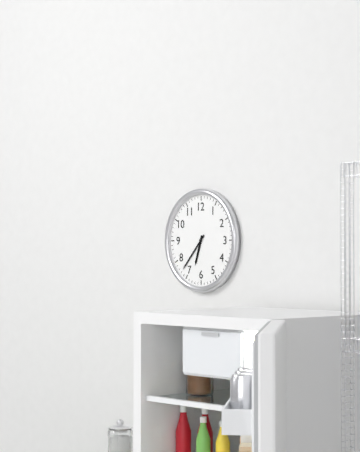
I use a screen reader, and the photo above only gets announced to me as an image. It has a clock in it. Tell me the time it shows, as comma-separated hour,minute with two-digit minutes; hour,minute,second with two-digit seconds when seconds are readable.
6,37
